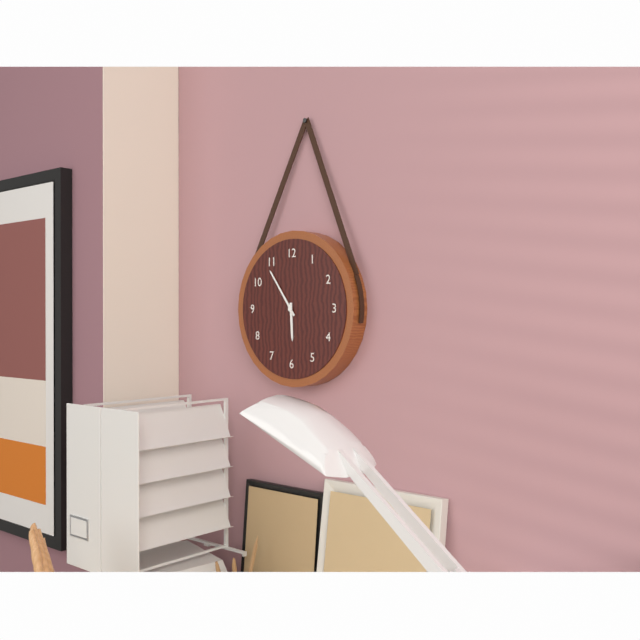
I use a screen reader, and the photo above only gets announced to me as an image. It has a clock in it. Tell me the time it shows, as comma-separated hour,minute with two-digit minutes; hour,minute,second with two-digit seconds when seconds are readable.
5,54
